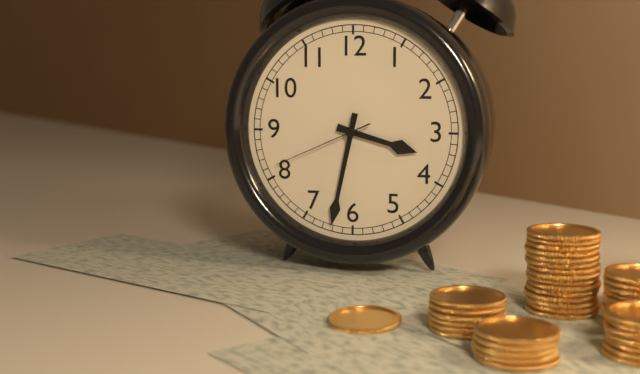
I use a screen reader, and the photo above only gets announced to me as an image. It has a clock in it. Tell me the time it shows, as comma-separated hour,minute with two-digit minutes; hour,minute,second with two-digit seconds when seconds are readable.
3,32,41
